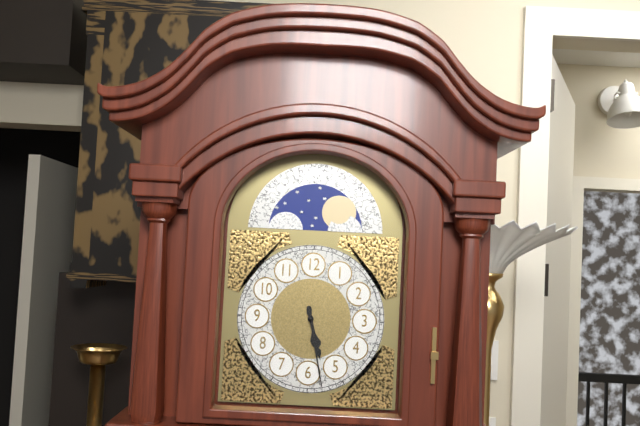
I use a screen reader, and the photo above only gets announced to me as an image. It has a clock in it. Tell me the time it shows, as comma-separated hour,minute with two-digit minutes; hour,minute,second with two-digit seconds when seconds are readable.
5,28
